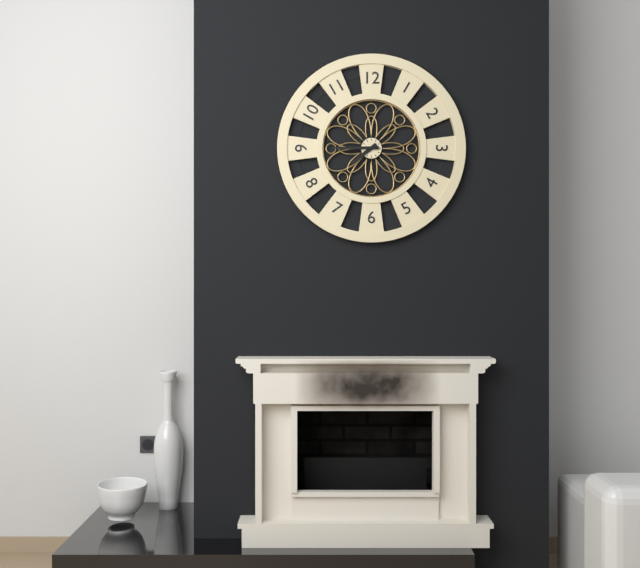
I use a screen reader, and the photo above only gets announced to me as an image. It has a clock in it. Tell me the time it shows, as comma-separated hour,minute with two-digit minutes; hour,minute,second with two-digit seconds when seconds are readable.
7,45
